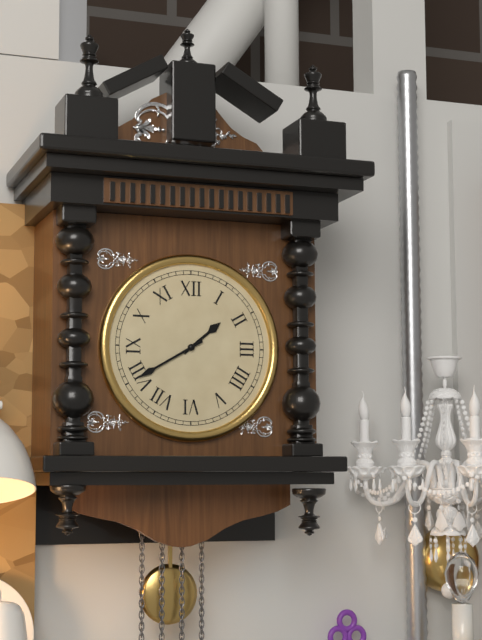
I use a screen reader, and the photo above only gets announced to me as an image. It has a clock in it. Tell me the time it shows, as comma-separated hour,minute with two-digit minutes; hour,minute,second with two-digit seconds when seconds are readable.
1,40
